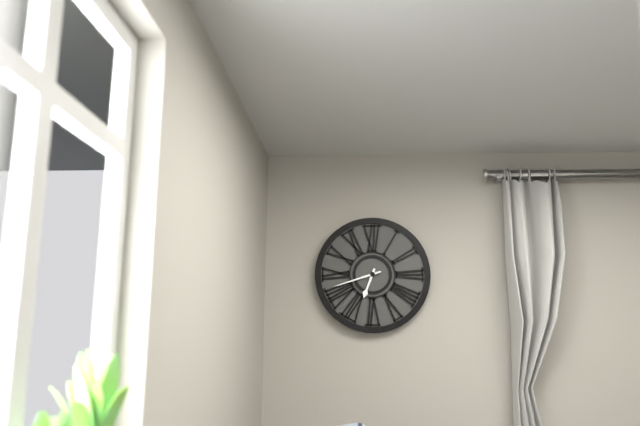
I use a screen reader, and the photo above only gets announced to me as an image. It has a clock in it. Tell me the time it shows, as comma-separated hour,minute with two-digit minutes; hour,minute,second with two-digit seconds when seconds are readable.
6,42
